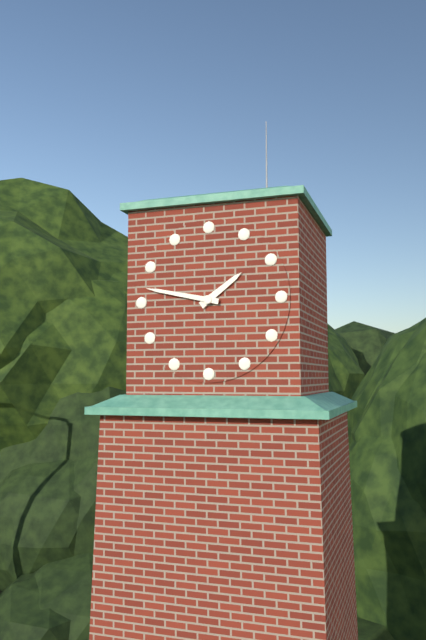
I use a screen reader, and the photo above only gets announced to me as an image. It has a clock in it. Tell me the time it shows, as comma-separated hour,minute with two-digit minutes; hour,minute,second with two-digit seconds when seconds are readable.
1,47
